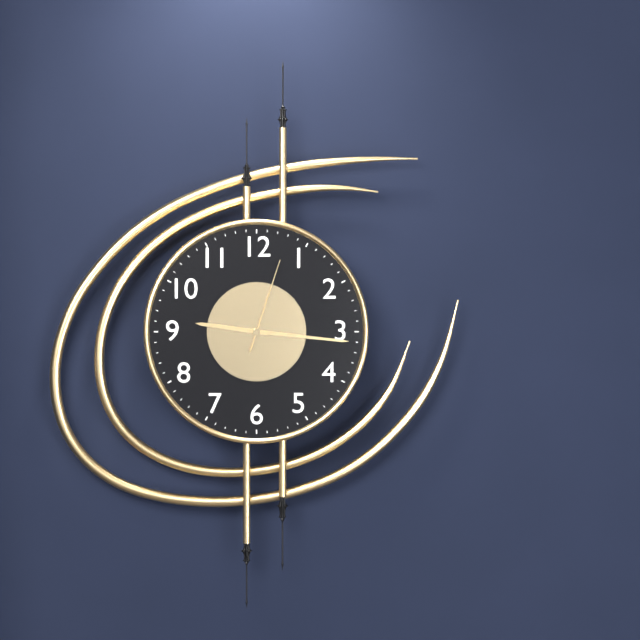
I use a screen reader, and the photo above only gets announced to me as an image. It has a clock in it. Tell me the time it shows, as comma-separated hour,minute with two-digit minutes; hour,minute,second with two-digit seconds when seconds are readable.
9,16,03
